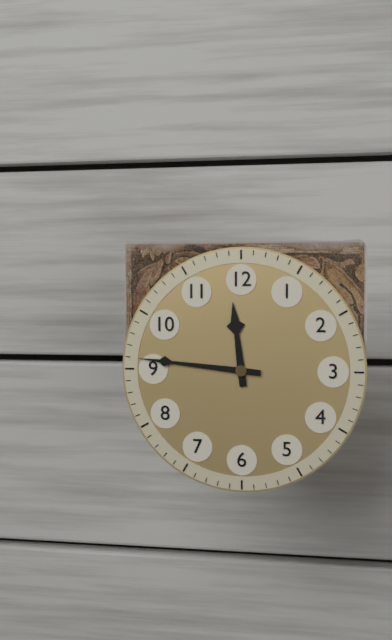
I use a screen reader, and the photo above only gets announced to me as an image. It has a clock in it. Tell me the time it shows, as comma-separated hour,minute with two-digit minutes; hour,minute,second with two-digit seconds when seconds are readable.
11,46
